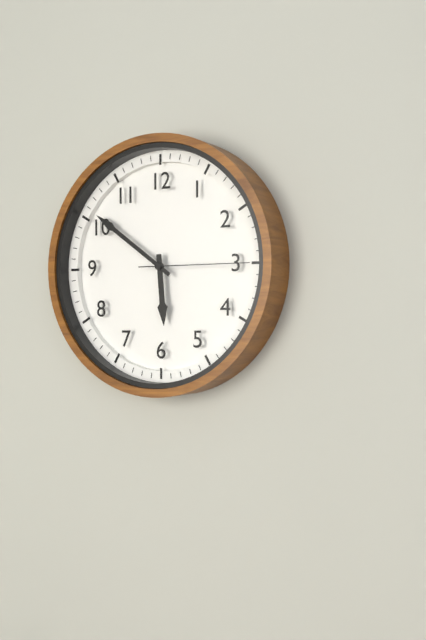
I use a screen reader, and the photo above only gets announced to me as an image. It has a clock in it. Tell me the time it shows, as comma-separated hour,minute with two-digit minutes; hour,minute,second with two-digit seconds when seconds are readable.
5,51,15
